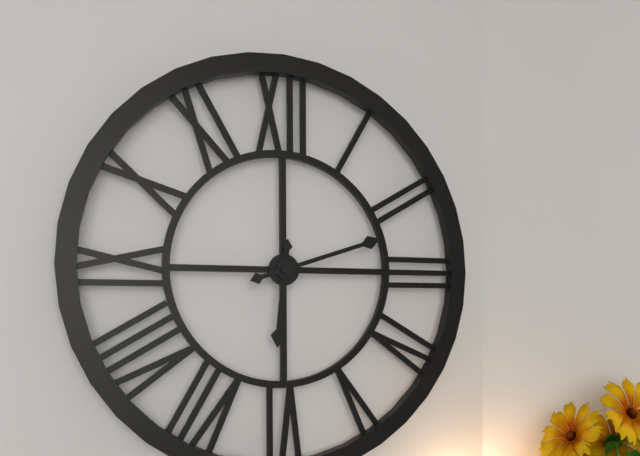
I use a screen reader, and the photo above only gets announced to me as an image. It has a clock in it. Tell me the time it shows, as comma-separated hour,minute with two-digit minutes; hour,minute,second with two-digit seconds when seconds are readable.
6,12
